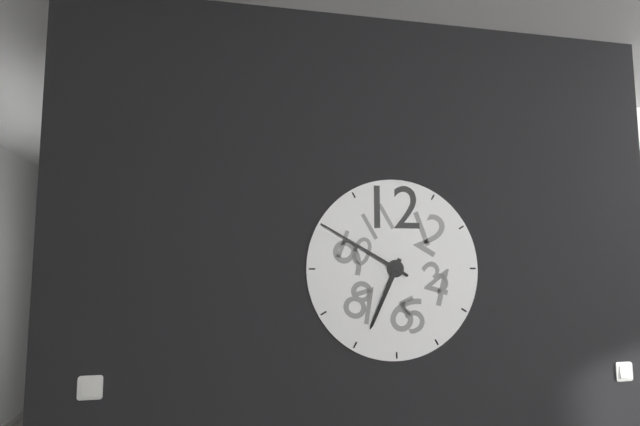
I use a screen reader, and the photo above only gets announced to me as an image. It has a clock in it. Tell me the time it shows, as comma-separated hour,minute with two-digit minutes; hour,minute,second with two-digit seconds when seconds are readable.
6,50
